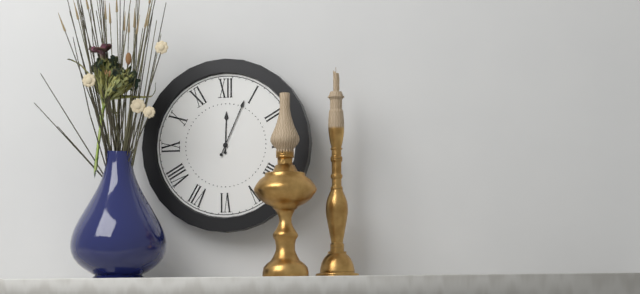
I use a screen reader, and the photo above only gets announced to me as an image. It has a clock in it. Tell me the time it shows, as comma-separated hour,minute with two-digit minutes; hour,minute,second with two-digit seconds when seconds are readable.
12,04
